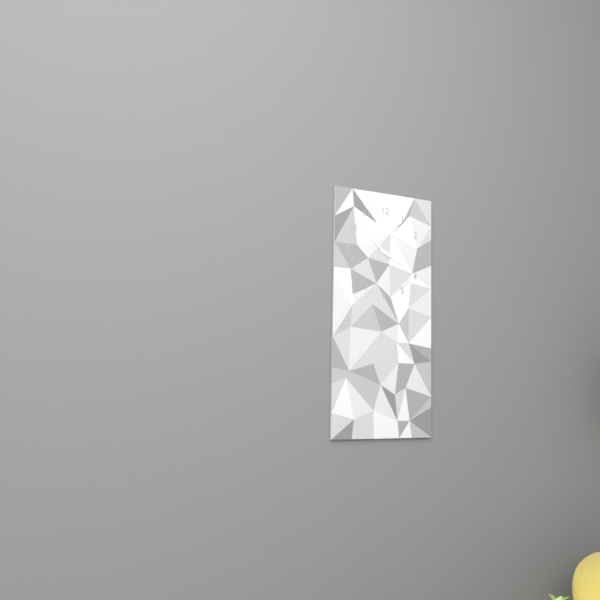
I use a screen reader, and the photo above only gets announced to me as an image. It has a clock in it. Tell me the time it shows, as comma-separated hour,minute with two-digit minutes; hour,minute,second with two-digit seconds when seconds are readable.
3,51
